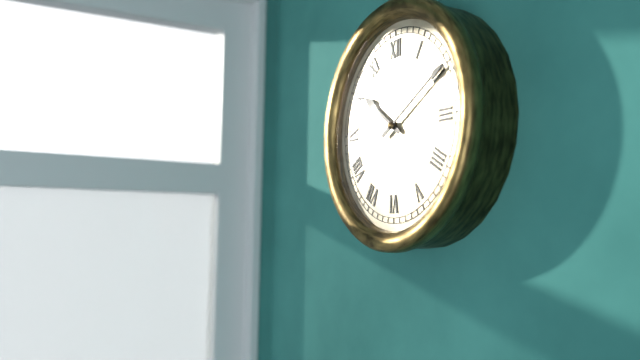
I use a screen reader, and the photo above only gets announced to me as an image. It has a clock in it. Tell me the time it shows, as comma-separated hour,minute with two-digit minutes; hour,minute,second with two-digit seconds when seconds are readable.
10,10
